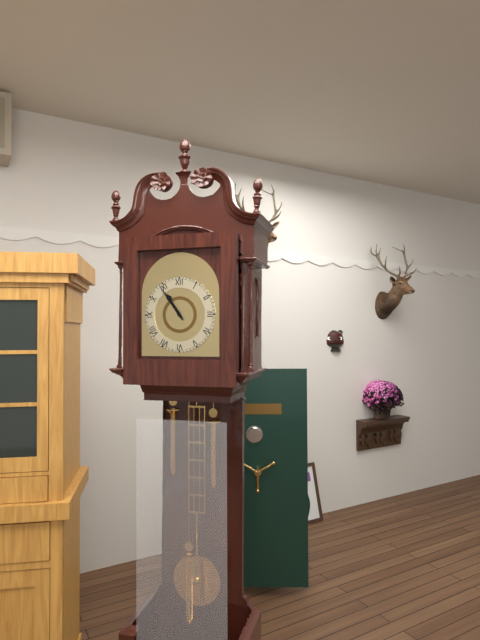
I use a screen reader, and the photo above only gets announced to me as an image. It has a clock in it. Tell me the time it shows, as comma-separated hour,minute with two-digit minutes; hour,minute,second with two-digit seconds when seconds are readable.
10,54
